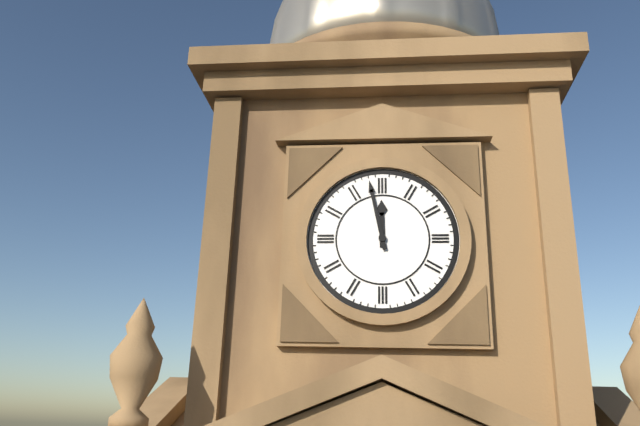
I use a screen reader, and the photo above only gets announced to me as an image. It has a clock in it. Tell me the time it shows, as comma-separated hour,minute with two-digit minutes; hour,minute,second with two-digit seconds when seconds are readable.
11,58
